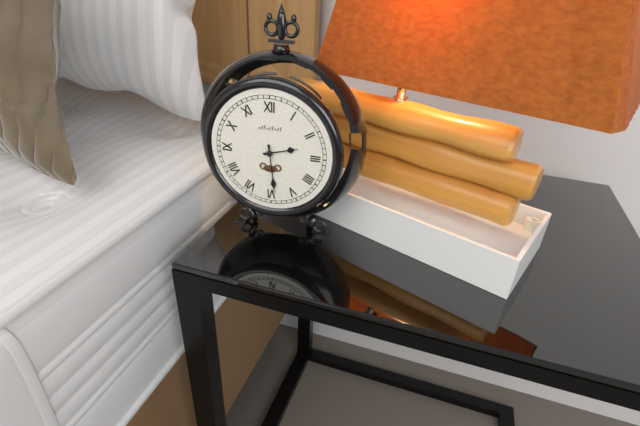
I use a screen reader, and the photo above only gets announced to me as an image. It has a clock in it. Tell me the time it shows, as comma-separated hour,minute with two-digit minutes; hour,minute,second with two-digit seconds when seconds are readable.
2,29
